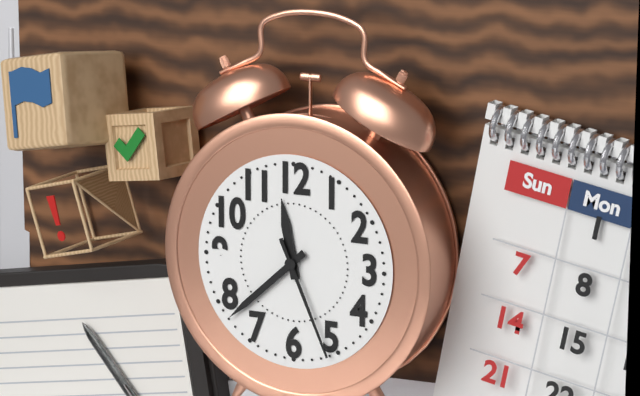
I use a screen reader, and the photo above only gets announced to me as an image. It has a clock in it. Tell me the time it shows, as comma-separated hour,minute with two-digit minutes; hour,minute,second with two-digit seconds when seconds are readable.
11,38,26
